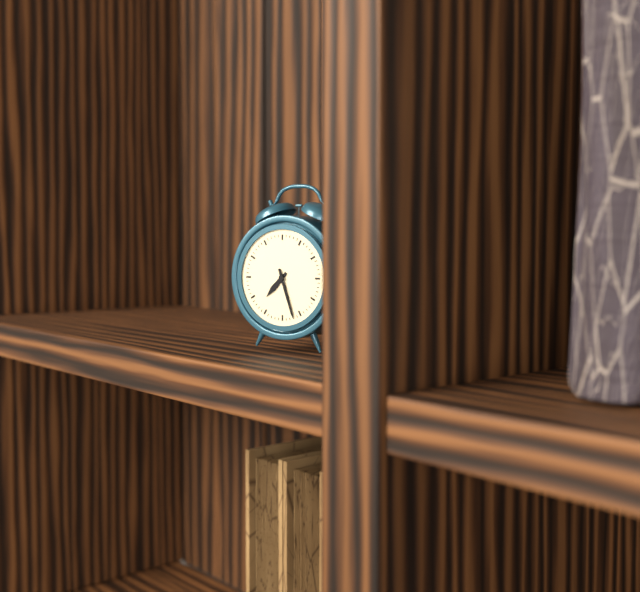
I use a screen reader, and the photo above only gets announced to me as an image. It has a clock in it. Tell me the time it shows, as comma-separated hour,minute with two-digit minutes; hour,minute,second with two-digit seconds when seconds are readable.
7,27
